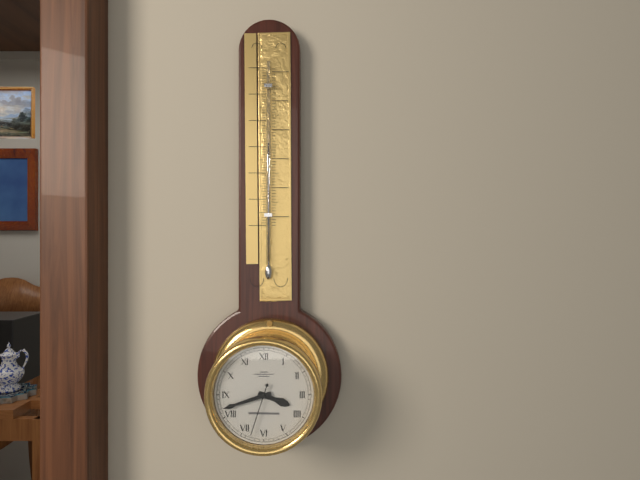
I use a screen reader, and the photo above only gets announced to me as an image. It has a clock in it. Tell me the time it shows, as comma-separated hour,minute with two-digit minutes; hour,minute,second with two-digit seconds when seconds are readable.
3,42,33
